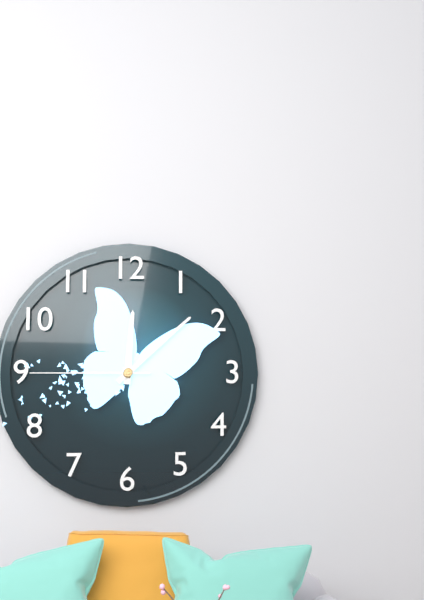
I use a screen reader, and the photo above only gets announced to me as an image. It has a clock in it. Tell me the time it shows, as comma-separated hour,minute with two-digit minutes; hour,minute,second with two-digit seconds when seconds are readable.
12,08,45
